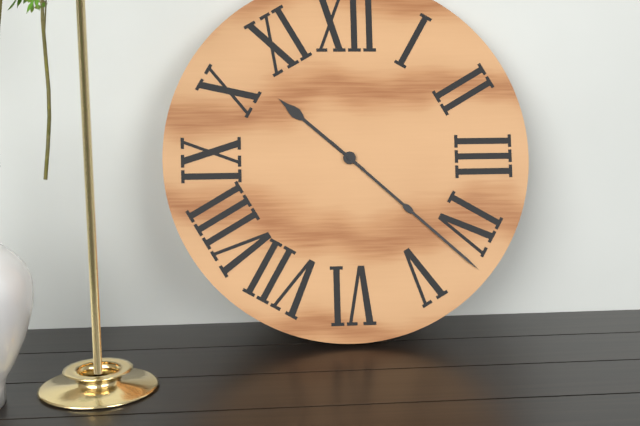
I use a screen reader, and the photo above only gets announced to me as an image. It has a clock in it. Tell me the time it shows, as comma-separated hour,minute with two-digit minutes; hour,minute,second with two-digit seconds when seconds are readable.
10,22
